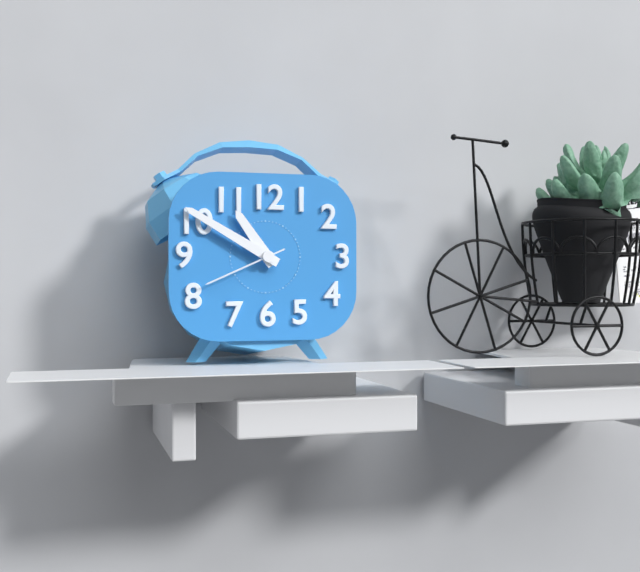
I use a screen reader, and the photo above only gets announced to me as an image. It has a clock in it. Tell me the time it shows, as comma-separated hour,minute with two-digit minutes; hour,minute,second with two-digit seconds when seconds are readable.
10,50,41
